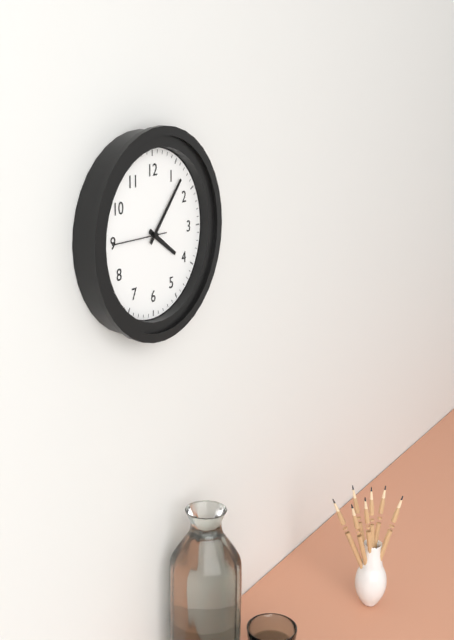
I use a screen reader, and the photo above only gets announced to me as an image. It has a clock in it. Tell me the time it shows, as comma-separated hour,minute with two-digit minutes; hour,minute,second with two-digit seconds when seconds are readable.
4,07,45
